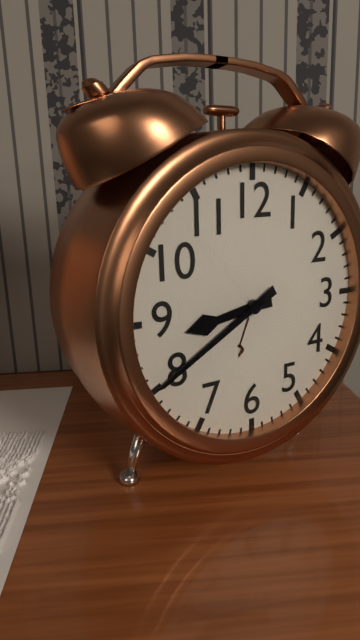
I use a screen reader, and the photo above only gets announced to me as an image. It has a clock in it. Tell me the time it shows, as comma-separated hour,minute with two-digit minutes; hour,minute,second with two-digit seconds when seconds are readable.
8,40
